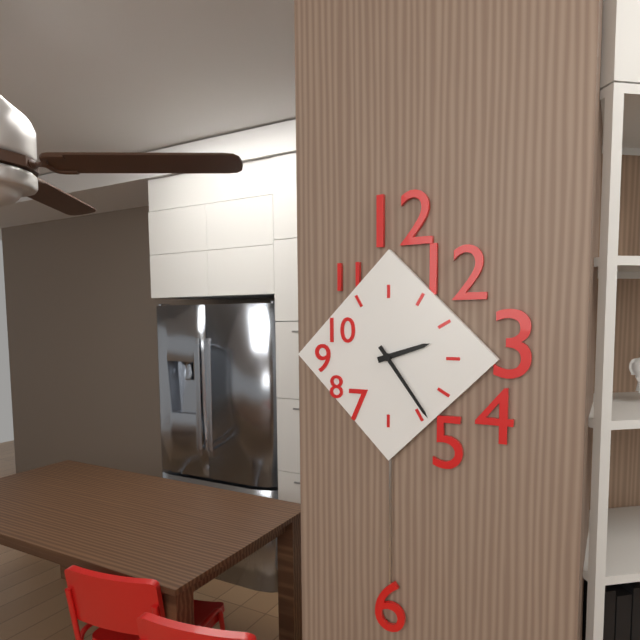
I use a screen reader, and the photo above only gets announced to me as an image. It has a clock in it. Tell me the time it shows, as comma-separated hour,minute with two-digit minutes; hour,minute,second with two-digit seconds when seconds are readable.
2,24
